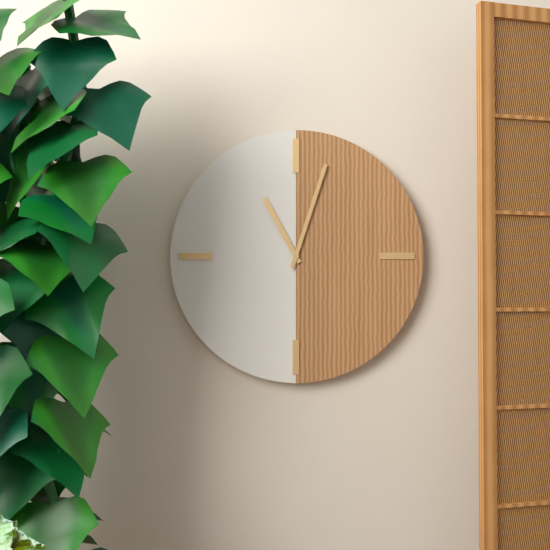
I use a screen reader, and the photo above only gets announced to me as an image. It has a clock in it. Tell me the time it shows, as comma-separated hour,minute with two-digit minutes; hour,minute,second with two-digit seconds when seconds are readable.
11,03
